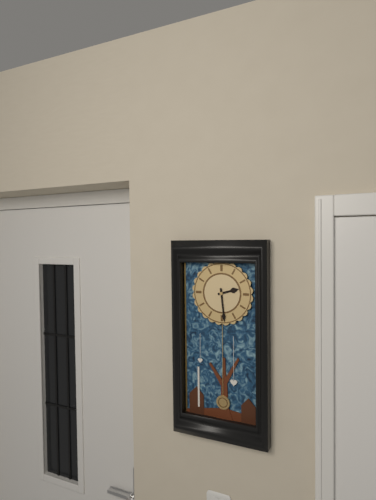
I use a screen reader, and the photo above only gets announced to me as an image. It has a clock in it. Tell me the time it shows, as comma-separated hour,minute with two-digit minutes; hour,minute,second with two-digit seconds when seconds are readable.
2,29
